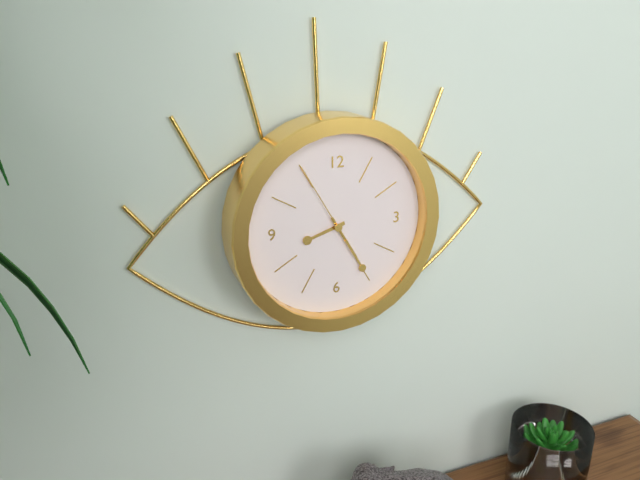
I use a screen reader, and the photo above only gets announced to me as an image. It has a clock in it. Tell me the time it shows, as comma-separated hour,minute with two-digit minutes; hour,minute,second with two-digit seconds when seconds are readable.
8,25,55
